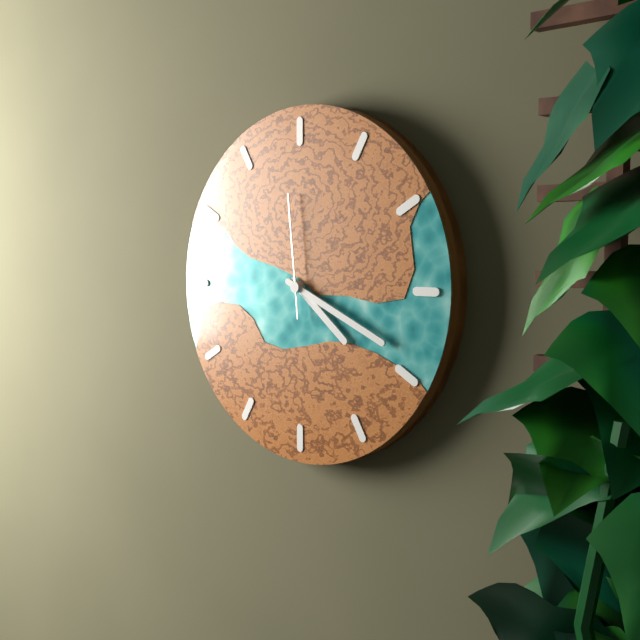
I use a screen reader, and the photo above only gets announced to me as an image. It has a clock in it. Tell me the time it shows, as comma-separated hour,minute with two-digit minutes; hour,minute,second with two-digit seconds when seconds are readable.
4,19,59
